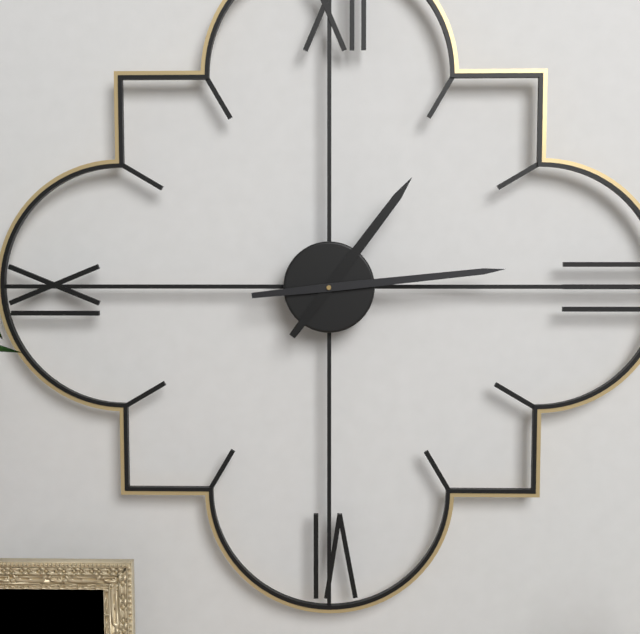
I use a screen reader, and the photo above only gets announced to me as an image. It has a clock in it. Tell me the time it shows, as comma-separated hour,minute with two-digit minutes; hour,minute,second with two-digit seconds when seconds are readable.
1,14
